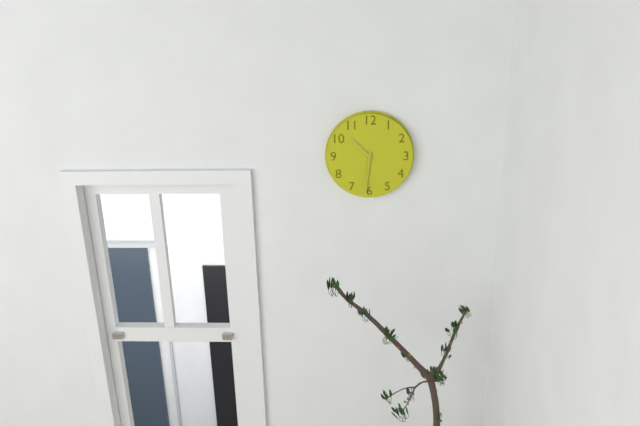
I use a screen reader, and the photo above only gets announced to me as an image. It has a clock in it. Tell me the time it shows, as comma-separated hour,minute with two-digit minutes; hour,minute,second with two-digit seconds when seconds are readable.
10,31
